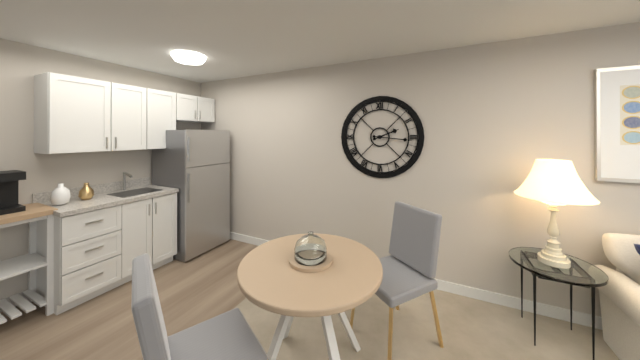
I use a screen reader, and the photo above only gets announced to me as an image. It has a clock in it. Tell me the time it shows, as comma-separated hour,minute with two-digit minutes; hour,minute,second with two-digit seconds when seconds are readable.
2,16
